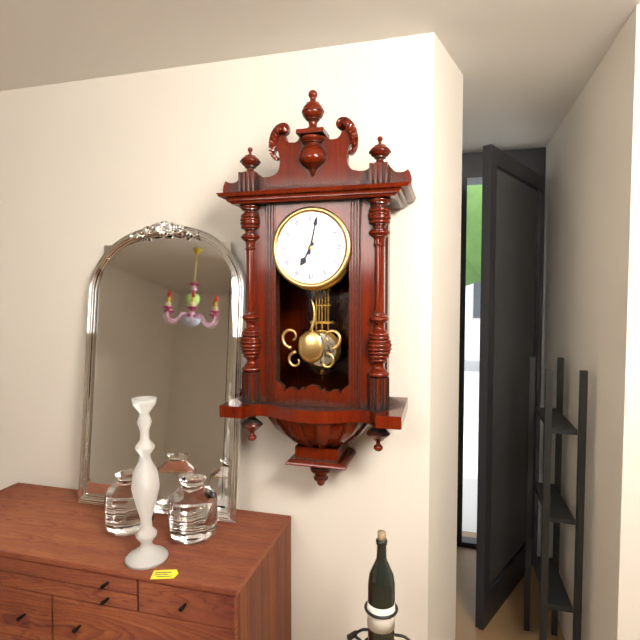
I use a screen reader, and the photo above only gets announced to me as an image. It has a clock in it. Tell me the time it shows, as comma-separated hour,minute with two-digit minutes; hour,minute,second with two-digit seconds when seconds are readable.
7,02
